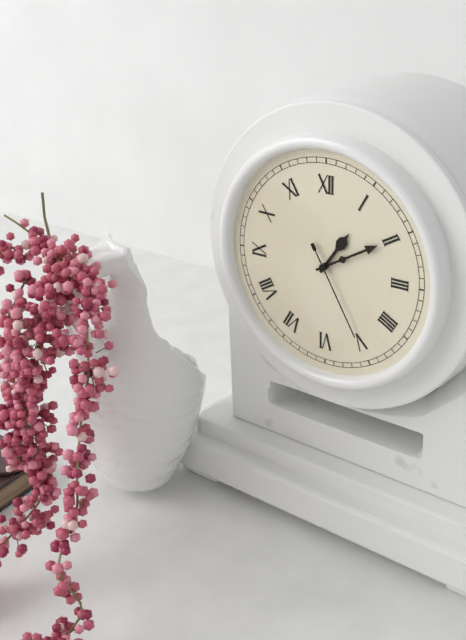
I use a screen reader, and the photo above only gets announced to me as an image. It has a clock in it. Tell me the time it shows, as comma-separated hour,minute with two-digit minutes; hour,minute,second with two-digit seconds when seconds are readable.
1,10,25
